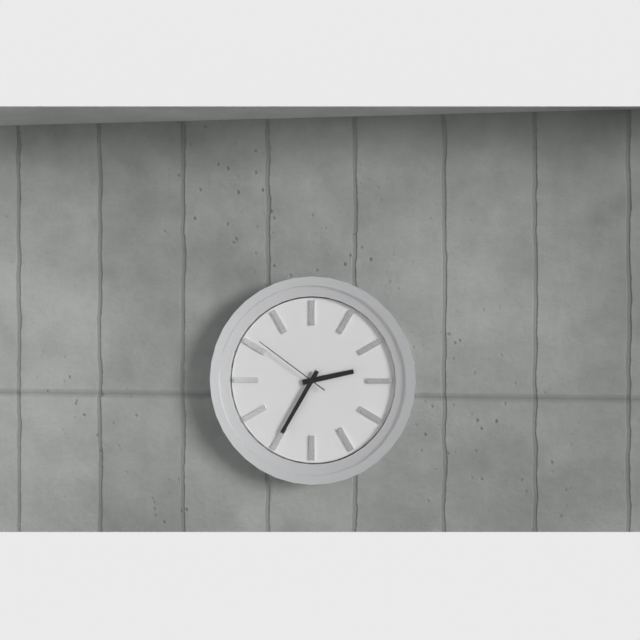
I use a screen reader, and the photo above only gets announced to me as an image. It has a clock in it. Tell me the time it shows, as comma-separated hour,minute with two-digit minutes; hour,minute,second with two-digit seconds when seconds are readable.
2,35,51
